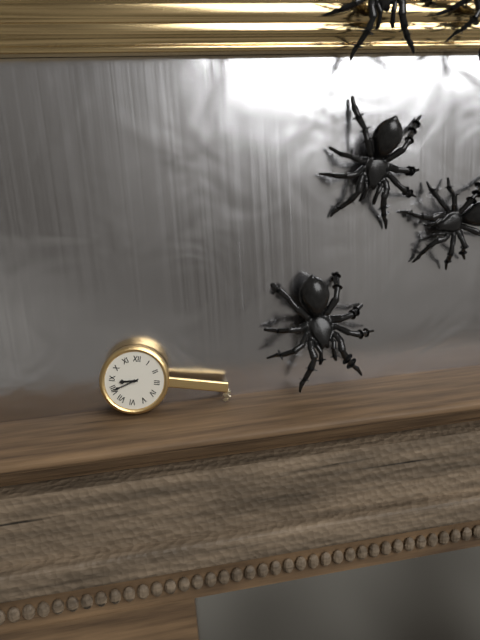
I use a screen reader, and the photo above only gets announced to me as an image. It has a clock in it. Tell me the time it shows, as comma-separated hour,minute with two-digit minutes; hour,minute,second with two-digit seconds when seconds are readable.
8,40
